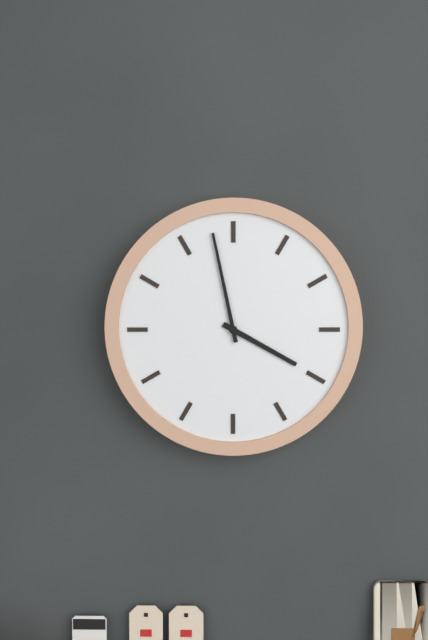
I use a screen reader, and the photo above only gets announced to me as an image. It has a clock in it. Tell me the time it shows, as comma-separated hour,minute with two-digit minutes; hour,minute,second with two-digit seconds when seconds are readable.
3,58
